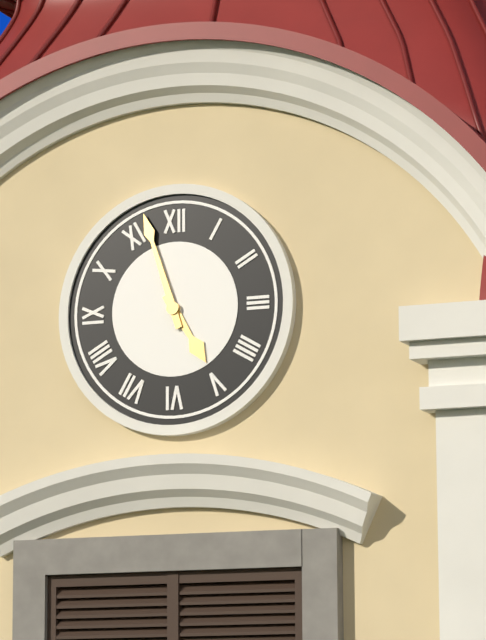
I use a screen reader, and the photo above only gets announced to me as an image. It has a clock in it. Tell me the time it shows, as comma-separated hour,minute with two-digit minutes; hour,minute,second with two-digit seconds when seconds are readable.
4,57
